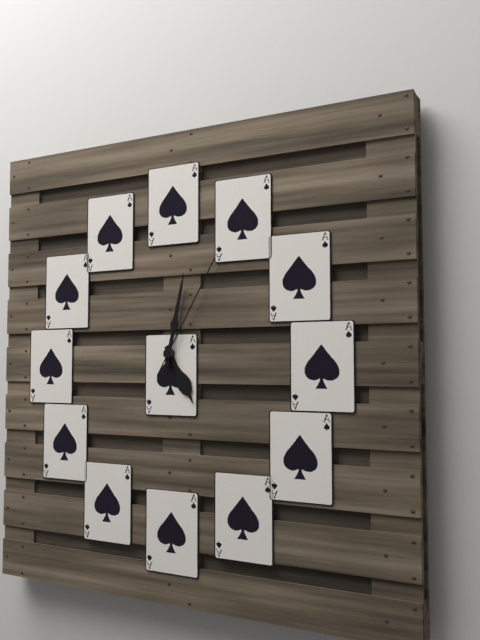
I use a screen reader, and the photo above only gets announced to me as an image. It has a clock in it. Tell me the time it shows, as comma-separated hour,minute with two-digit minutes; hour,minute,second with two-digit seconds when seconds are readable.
5,02,05
